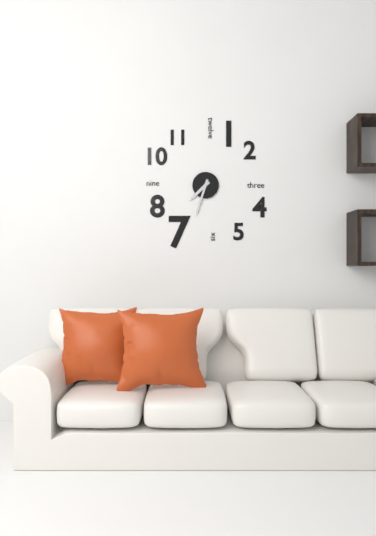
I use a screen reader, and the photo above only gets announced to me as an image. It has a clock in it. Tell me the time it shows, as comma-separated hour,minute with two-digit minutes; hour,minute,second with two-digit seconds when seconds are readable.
7,33
